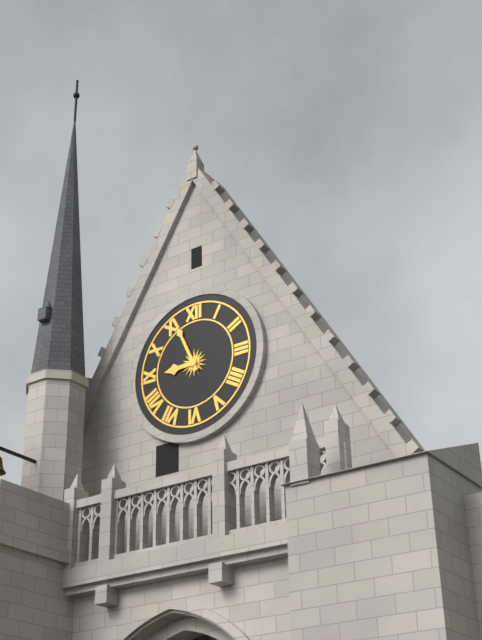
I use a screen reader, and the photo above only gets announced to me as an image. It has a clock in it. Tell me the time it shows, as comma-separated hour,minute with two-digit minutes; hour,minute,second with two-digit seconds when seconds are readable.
8,56
